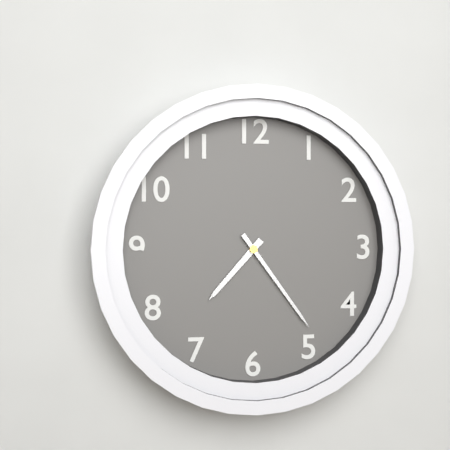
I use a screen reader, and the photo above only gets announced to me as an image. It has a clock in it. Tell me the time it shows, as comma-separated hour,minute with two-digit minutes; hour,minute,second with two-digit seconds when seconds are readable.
7,24
